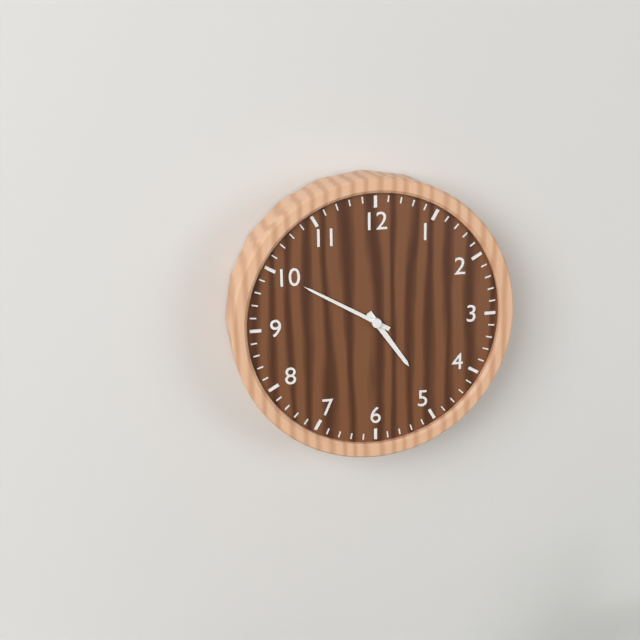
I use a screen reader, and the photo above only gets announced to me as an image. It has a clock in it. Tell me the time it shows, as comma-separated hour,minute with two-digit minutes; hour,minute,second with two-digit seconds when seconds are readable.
4,50
